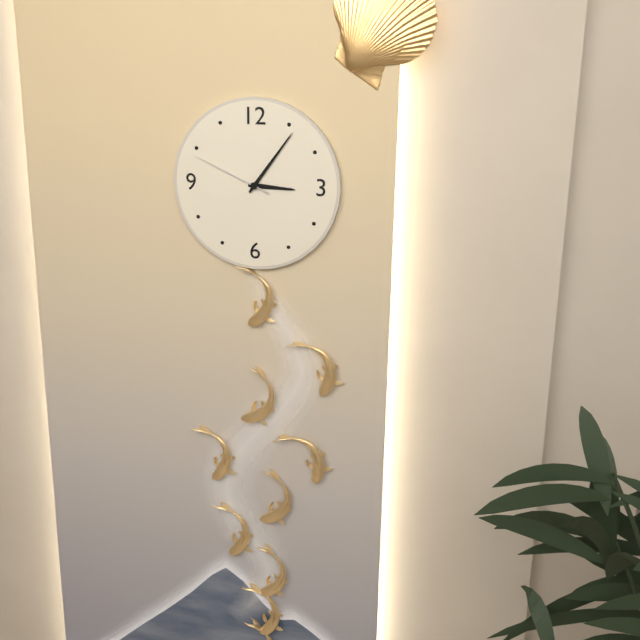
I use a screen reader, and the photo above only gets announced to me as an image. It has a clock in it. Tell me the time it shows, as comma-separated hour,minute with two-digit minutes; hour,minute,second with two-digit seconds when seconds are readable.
3,06,49
